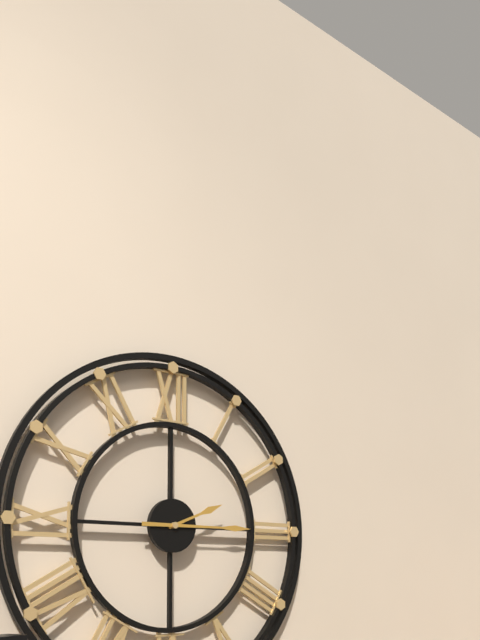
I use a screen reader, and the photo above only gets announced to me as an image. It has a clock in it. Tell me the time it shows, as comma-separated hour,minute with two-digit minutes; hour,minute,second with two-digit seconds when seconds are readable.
2,15
